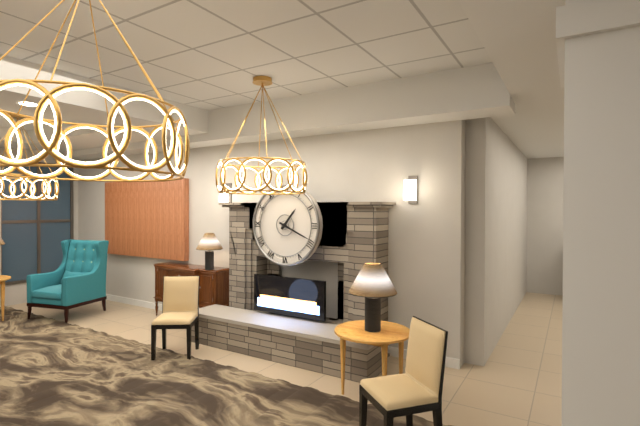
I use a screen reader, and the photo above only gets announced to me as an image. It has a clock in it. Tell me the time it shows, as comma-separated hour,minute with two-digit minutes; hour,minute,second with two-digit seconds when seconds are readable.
1,19
